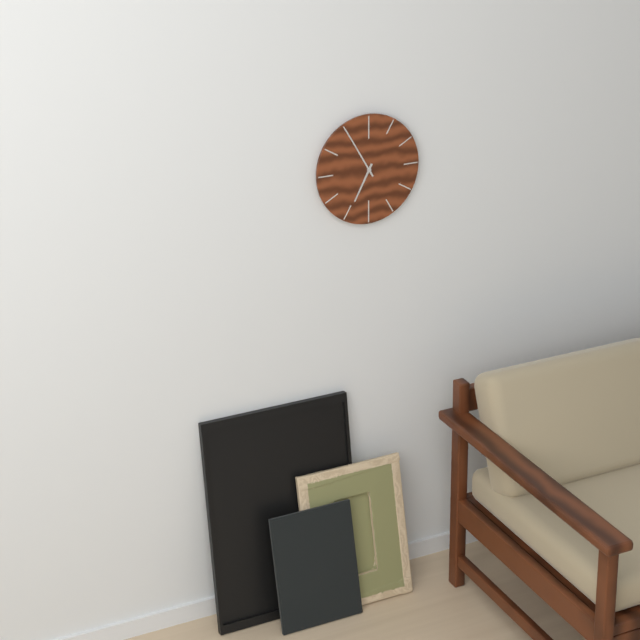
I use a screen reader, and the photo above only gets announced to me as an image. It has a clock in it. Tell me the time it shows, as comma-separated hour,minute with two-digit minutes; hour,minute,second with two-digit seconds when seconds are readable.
6,55
